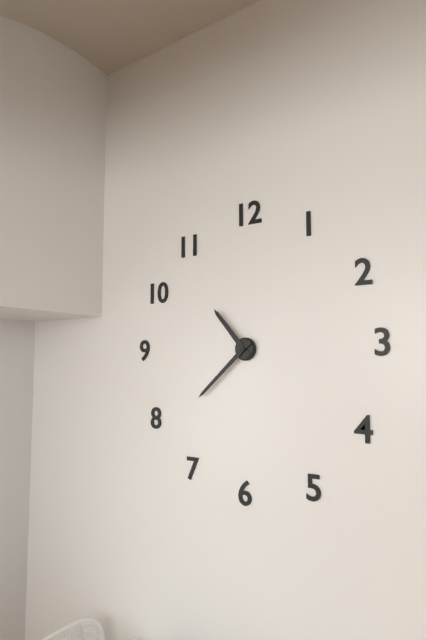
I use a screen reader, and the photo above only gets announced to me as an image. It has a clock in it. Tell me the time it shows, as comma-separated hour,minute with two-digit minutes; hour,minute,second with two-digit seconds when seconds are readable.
10,38
